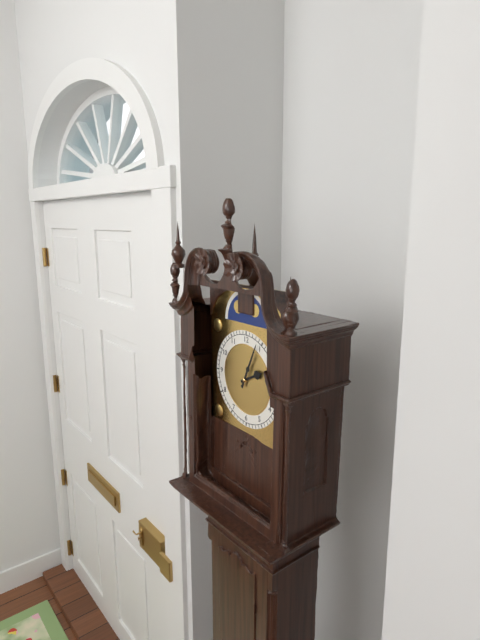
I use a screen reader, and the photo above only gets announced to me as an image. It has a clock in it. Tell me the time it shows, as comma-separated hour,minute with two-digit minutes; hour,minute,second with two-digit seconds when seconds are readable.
2,04
